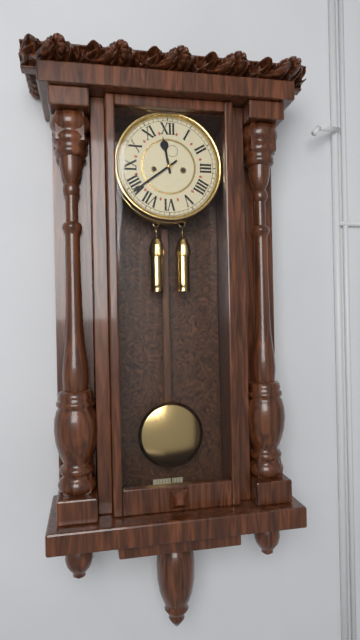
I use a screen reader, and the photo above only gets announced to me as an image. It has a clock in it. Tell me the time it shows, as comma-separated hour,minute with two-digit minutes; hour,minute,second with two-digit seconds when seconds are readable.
11,39
